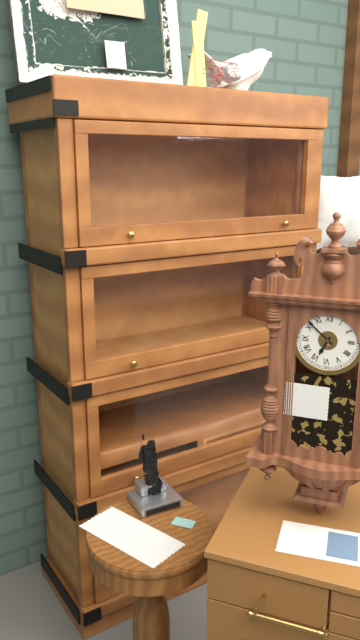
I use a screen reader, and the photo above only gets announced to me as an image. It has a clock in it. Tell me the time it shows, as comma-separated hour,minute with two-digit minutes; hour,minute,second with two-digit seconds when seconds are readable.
6,52
